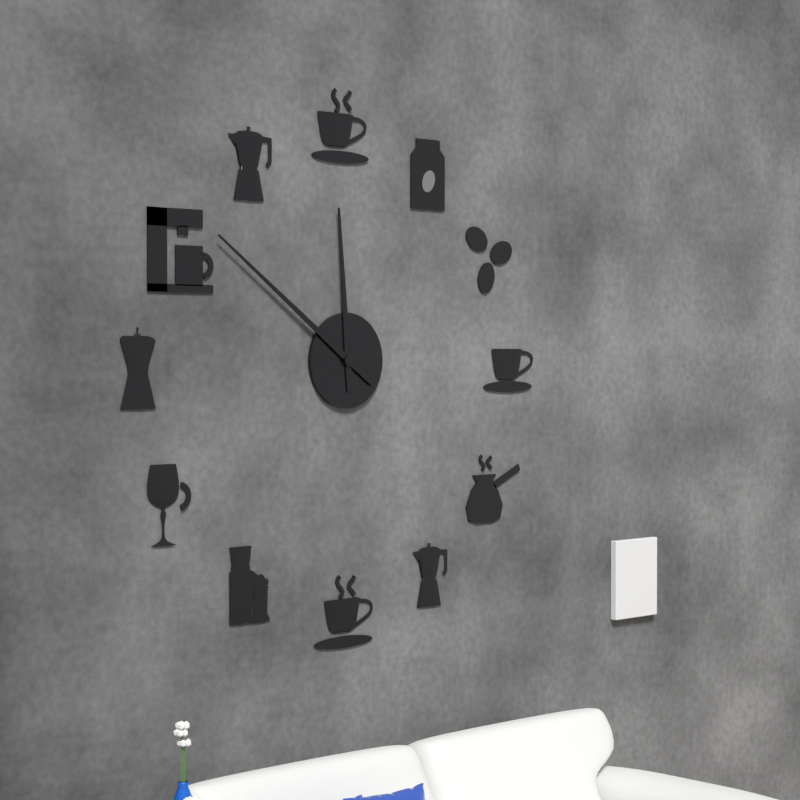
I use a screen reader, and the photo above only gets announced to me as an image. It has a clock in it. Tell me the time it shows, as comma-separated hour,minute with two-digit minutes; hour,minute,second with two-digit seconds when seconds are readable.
11,51
